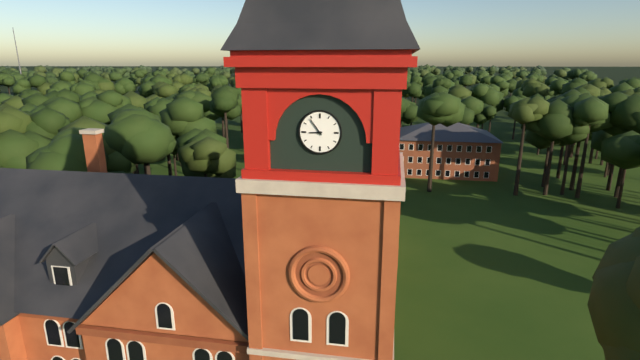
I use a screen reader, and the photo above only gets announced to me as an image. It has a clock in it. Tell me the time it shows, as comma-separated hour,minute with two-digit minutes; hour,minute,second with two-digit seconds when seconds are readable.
8,54
